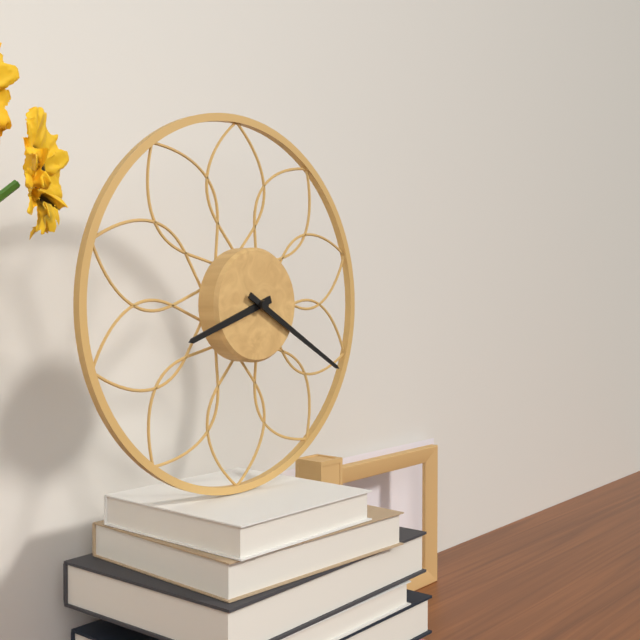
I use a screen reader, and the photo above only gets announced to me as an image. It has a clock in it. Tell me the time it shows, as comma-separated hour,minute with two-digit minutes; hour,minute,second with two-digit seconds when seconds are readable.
8,20
